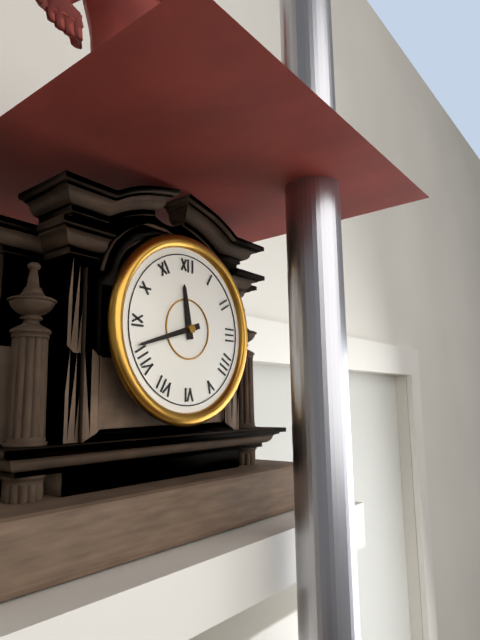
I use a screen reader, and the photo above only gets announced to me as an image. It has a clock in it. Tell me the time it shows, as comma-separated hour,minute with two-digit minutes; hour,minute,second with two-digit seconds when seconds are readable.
11,42
